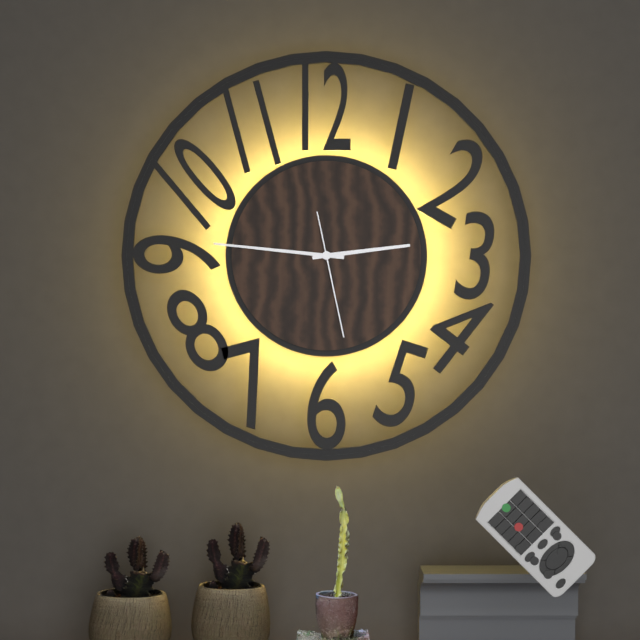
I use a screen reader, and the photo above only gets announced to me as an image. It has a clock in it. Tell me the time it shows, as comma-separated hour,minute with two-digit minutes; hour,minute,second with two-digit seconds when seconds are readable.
2,46,28
